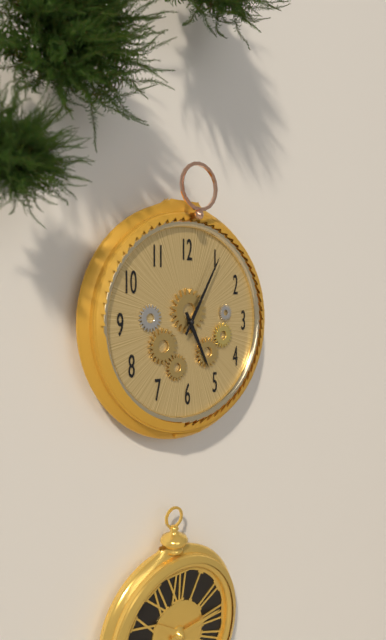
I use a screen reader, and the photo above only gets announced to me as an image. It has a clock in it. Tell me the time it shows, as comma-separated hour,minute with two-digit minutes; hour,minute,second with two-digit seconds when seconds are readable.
5,05
